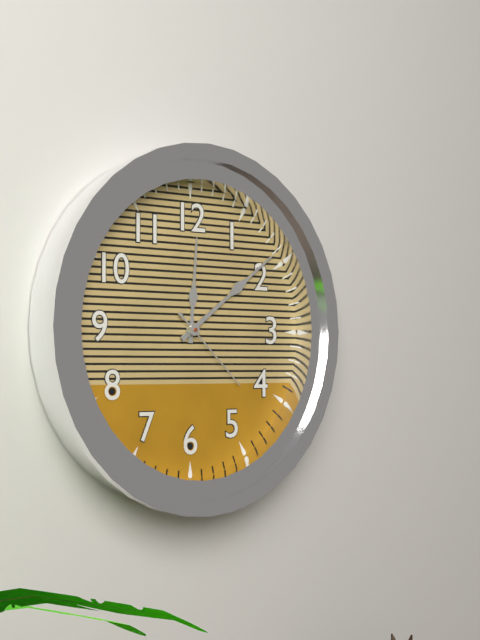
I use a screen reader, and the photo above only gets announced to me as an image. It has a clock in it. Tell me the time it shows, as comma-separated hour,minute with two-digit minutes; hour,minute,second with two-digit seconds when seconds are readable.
12,09,22
